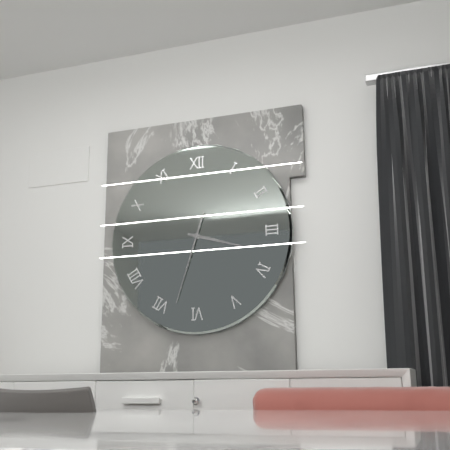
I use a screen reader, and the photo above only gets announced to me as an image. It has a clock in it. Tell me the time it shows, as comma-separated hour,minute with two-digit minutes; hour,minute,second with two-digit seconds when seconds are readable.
3,33
